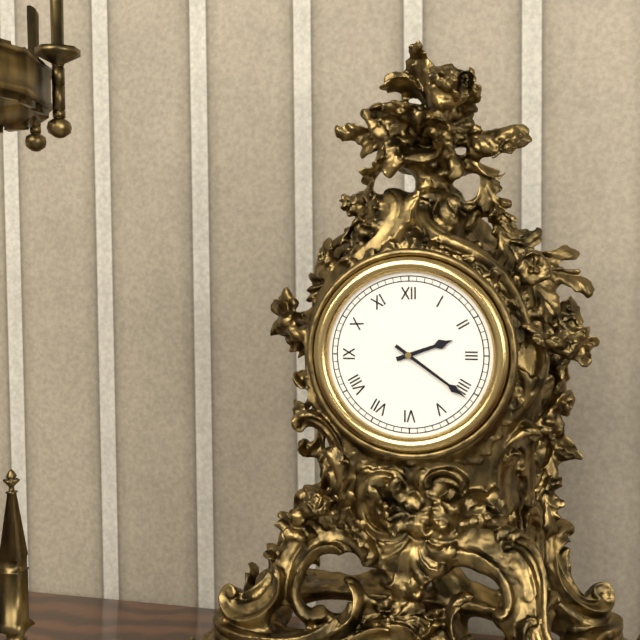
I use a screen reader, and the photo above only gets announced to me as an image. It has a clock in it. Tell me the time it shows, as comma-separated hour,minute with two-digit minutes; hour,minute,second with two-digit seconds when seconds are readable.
2,21
